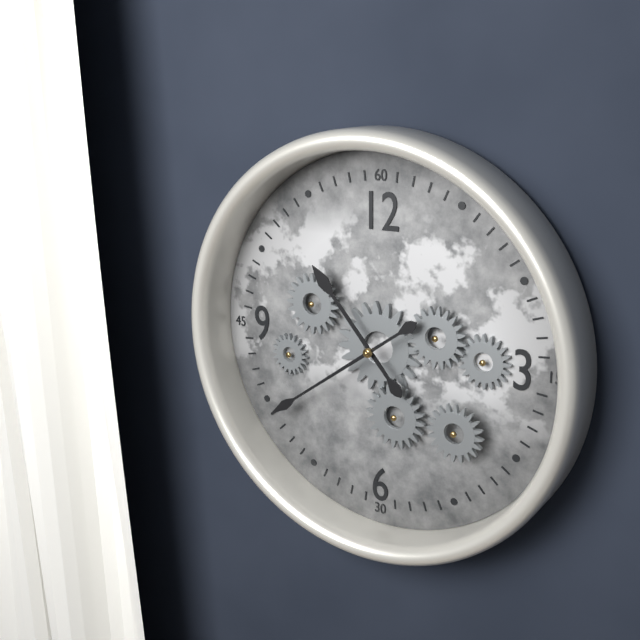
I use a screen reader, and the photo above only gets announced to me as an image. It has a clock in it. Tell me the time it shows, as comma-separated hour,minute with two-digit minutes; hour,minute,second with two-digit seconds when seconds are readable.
10,39
